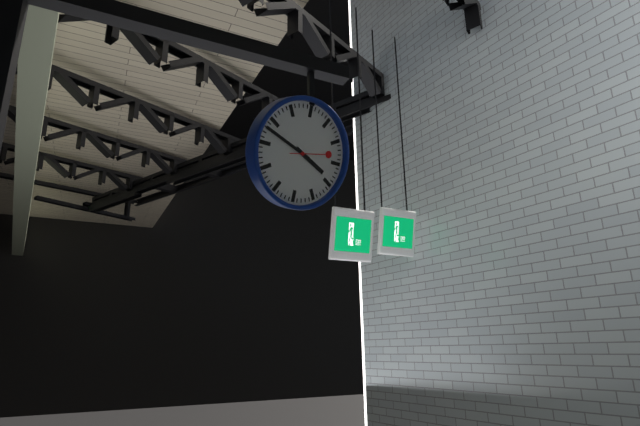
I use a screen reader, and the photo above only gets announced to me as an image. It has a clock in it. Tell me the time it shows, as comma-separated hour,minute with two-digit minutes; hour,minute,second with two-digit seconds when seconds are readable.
3,48
